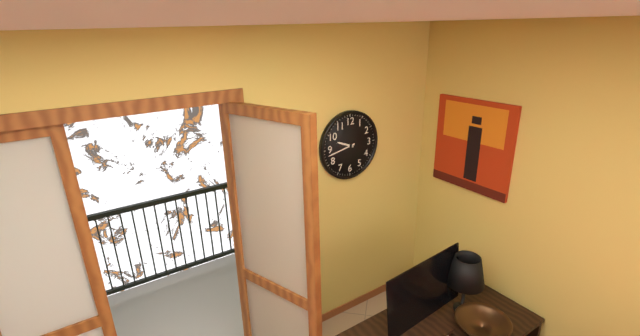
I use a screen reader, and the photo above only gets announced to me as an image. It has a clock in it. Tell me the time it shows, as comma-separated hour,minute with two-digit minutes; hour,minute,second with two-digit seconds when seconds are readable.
9,43
